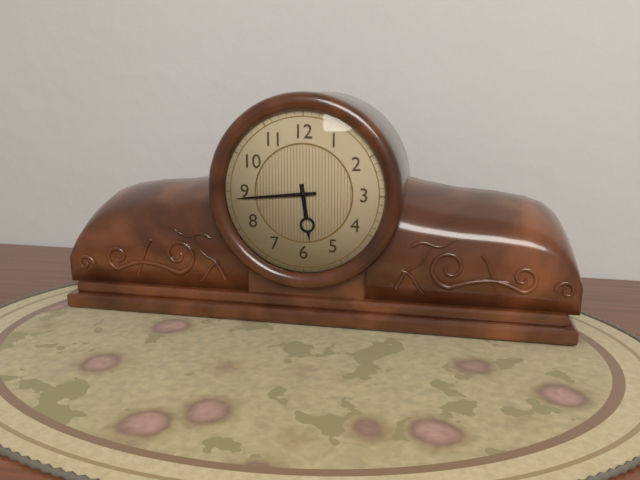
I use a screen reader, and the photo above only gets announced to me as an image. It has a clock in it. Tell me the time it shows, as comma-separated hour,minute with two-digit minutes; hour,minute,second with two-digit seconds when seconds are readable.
5,44
